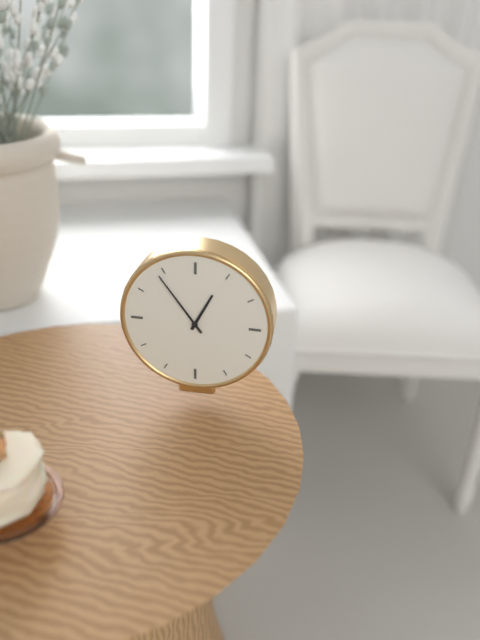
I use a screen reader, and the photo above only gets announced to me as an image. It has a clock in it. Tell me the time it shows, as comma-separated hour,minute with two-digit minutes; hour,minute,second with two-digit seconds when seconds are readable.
12,54
